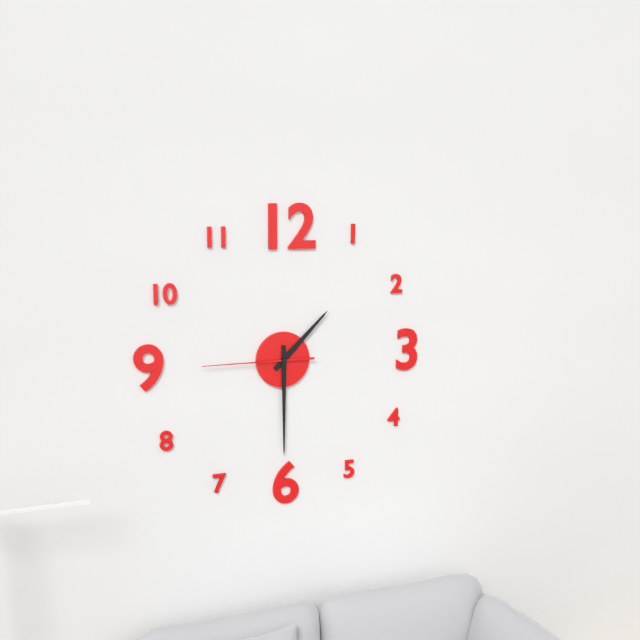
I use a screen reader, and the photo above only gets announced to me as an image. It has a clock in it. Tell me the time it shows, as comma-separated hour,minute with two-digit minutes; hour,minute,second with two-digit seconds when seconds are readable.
1,30,45
